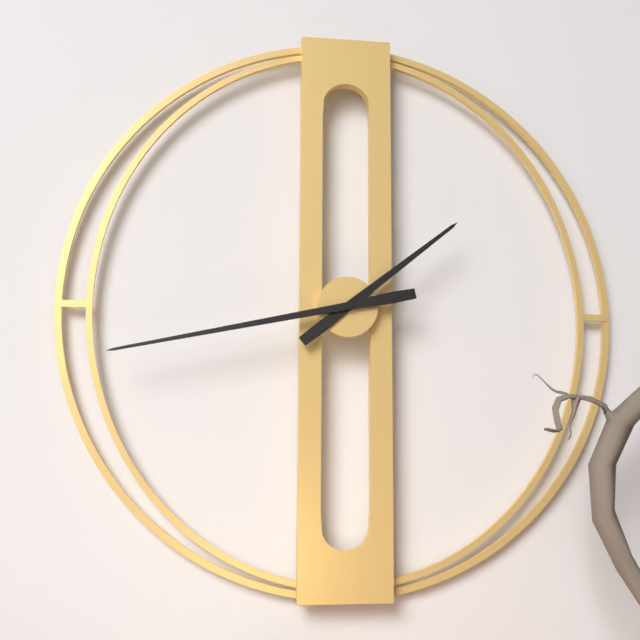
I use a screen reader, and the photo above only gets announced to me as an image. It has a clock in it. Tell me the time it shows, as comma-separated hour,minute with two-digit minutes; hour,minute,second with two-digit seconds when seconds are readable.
1,43
